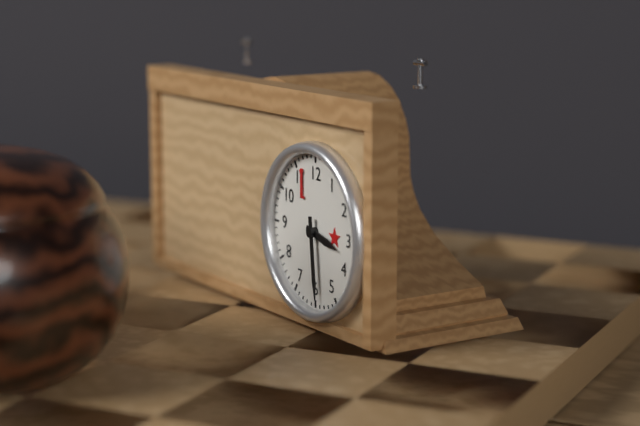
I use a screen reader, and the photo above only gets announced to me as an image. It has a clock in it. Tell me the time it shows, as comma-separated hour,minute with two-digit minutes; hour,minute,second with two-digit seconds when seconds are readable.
3,29
